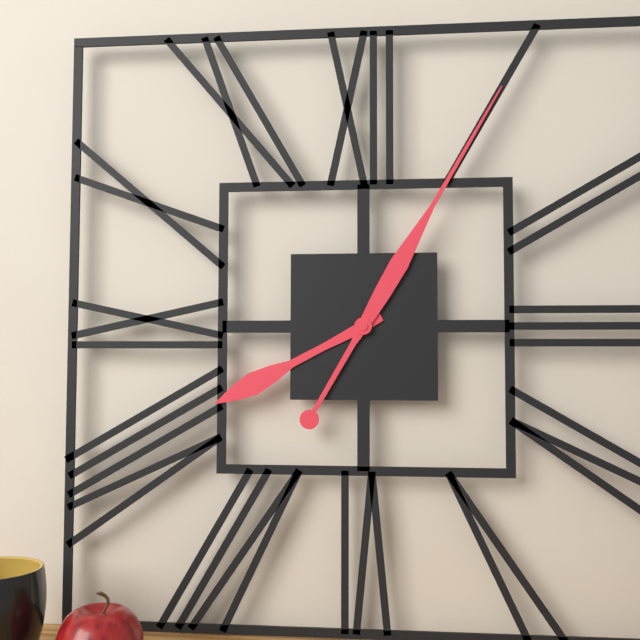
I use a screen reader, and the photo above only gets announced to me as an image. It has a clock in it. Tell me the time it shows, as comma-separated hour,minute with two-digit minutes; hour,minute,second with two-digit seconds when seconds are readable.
8,05
